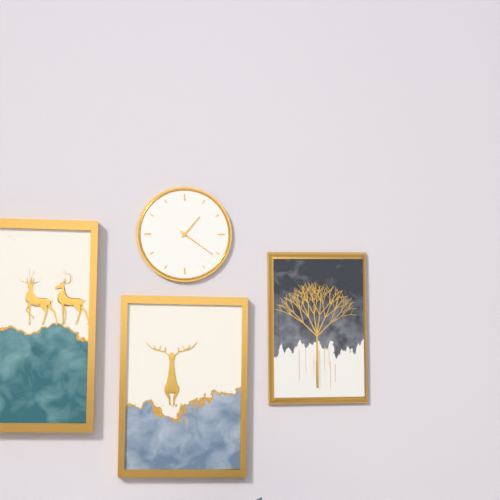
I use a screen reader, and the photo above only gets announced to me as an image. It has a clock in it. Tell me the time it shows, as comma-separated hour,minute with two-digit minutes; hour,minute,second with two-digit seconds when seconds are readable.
1,21
